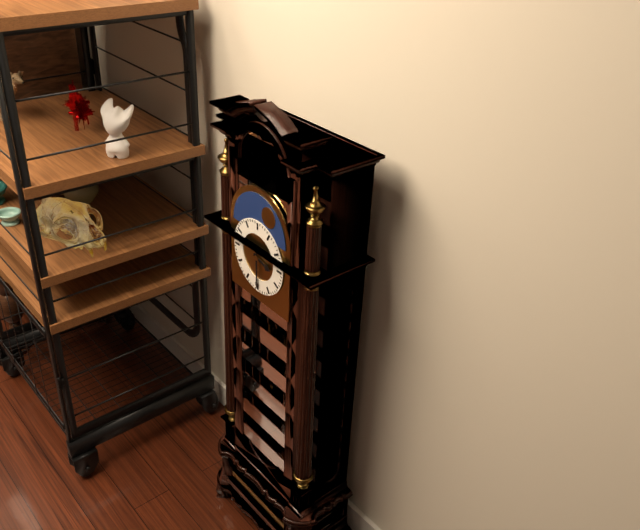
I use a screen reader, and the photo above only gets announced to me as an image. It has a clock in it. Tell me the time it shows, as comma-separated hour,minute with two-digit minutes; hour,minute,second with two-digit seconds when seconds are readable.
3,30
